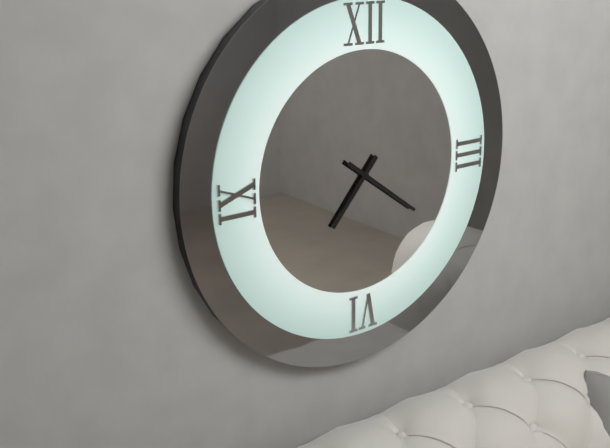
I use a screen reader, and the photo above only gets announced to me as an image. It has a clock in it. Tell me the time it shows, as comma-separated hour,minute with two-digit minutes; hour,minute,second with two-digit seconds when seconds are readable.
7,21
